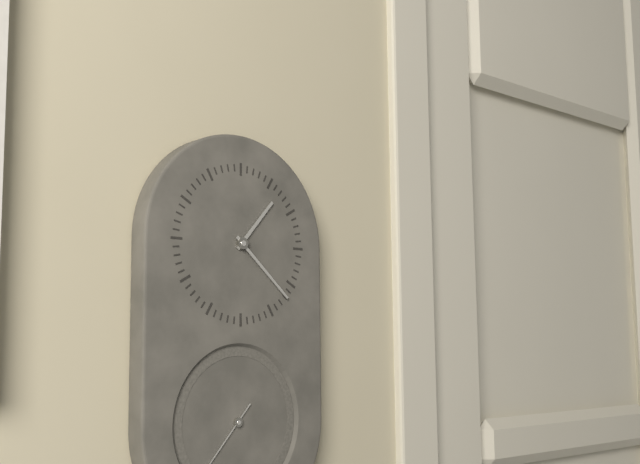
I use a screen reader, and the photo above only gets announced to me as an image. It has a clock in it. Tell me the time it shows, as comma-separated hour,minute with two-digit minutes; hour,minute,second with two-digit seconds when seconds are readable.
1,22
